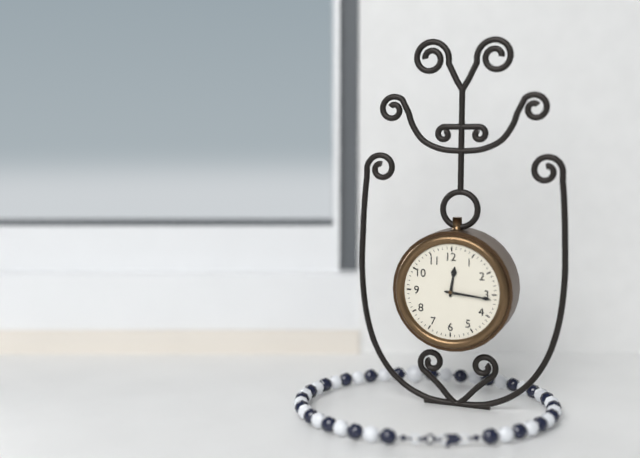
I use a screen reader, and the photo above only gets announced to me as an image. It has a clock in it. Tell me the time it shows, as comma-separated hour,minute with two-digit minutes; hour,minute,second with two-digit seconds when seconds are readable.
12,16
